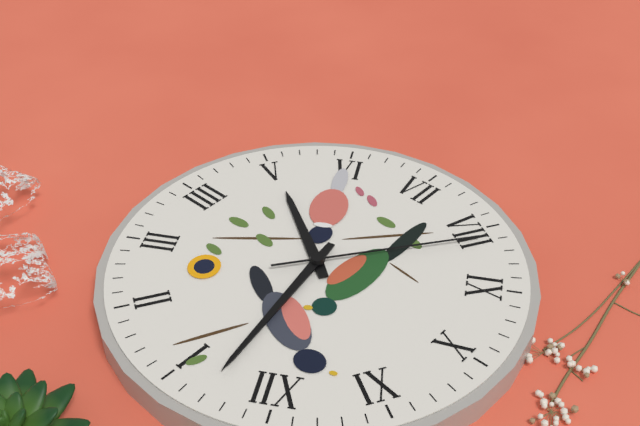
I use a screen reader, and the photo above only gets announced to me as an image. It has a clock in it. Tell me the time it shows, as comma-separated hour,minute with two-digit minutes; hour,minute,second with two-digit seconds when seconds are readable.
5,03,41
